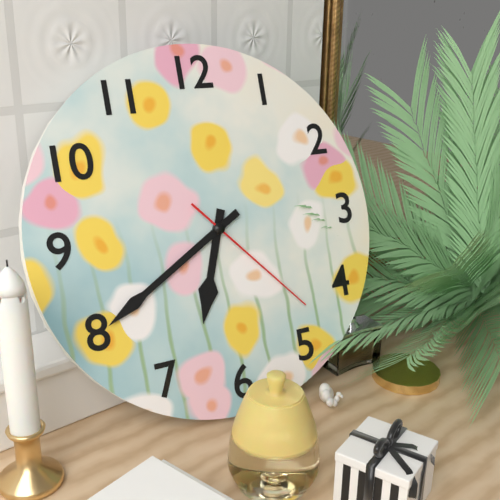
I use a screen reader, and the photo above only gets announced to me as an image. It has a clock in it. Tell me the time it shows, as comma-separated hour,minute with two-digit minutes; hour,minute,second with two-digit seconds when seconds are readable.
6,40,23
